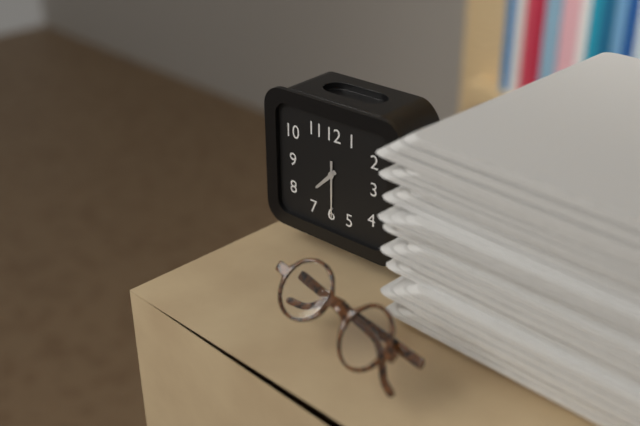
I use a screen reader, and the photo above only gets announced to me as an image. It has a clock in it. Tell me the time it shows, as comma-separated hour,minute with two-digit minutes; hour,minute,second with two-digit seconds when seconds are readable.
7,30
